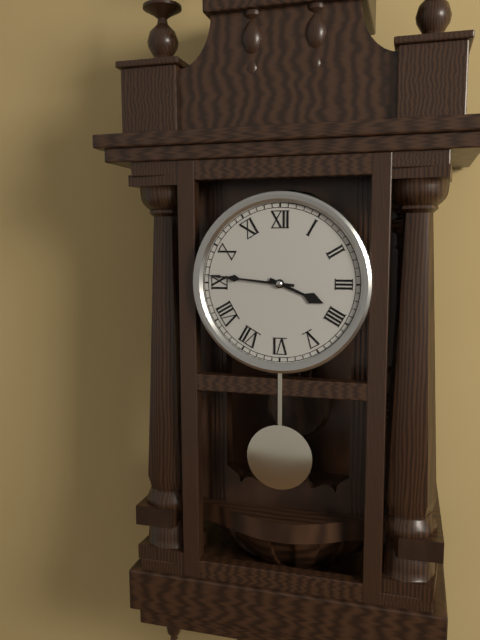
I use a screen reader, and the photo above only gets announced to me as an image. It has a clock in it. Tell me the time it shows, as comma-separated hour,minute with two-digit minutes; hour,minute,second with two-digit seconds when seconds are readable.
3,46
